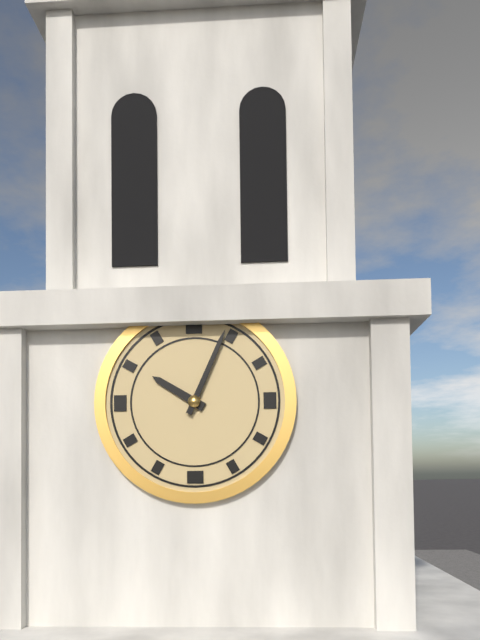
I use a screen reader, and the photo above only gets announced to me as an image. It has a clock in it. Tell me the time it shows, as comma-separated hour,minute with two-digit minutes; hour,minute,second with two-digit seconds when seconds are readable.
10,04
